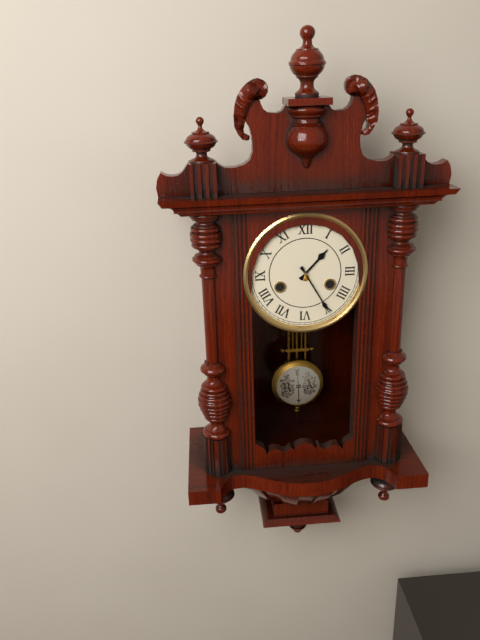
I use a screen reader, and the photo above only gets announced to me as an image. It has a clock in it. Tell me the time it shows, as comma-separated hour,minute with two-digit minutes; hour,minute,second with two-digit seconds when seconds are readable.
1,25
